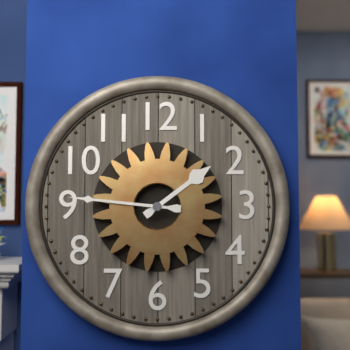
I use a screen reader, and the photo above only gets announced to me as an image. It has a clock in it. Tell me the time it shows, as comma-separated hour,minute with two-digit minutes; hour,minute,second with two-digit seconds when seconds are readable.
1,46
